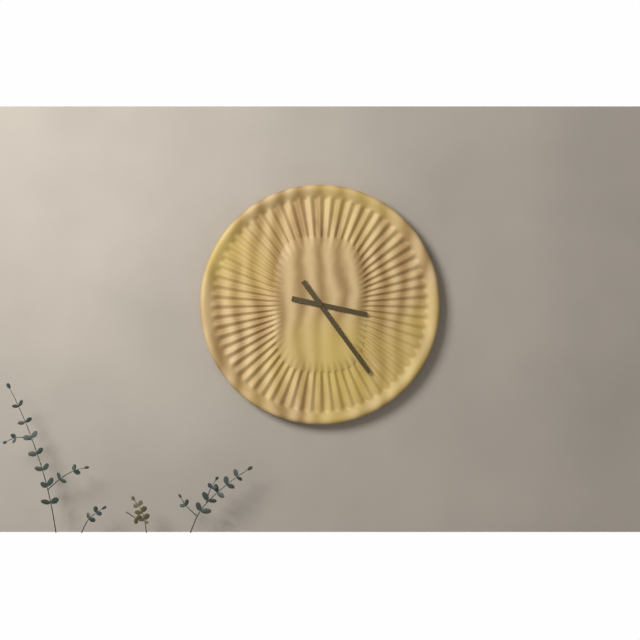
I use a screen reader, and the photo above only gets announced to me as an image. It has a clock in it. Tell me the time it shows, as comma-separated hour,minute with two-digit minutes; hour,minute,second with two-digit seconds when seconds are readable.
3,24
